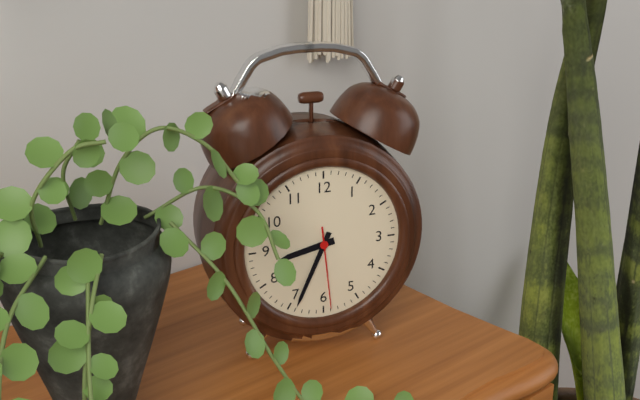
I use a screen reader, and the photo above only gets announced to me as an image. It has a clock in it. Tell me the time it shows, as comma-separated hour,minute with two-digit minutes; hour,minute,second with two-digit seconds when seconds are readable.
8,34,29
